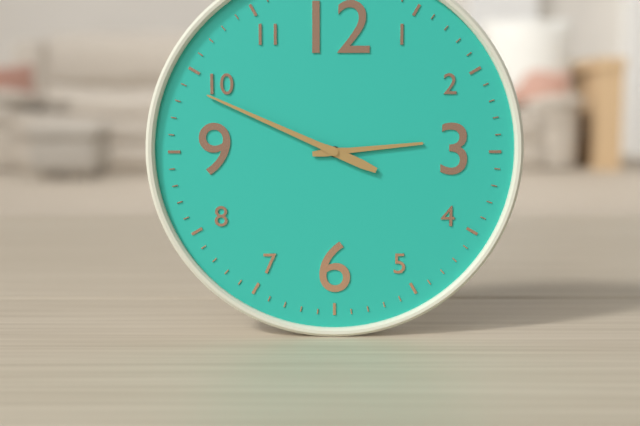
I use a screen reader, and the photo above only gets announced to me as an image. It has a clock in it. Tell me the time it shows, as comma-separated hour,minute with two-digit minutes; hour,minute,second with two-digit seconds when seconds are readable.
2,49
